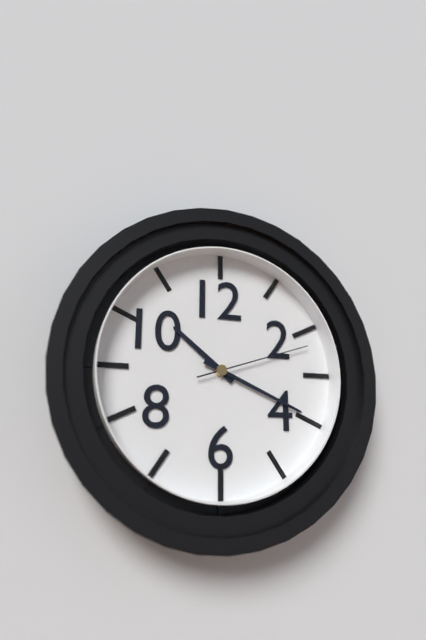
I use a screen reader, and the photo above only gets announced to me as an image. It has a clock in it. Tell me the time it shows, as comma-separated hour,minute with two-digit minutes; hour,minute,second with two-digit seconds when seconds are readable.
10,19,12
